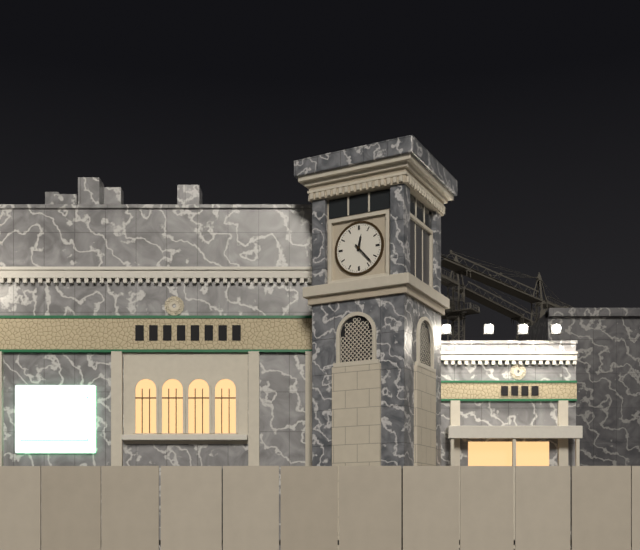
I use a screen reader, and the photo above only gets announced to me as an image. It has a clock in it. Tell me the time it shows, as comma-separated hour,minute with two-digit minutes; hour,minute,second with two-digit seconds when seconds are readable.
12,23
